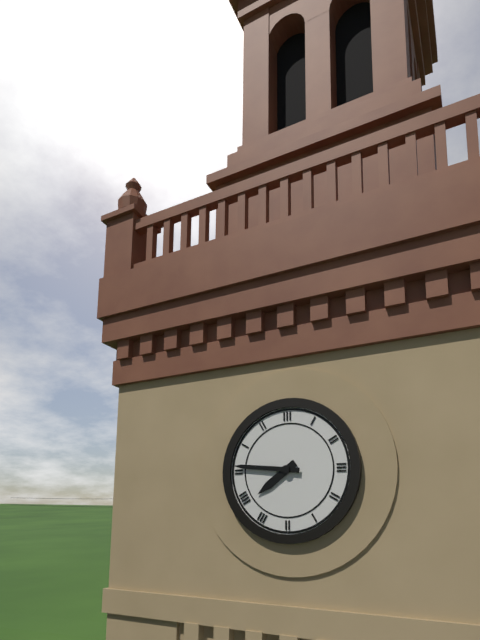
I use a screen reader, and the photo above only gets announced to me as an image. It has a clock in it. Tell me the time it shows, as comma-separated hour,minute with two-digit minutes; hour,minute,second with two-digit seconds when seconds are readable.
7,46
